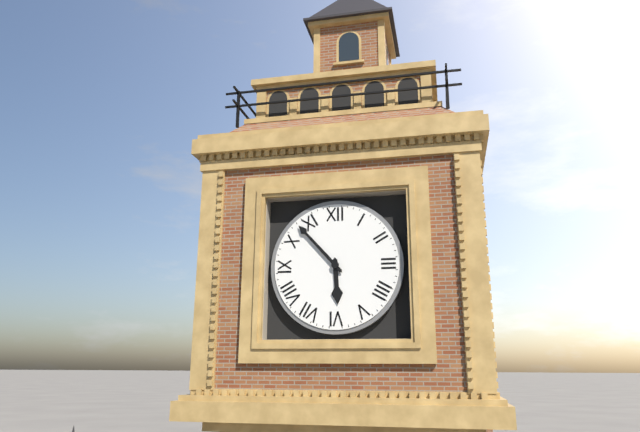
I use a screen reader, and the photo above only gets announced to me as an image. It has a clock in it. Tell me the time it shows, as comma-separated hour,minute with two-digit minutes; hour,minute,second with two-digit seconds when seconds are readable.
5,53
